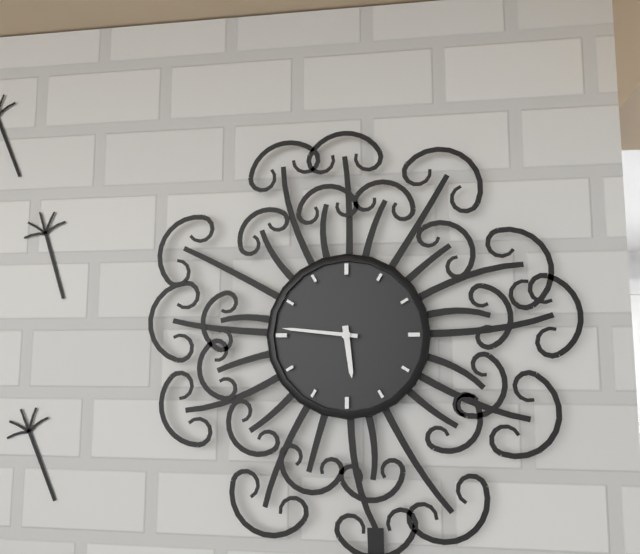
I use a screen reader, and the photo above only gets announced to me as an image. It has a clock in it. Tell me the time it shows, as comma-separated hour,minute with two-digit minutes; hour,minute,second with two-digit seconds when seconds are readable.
5,46
